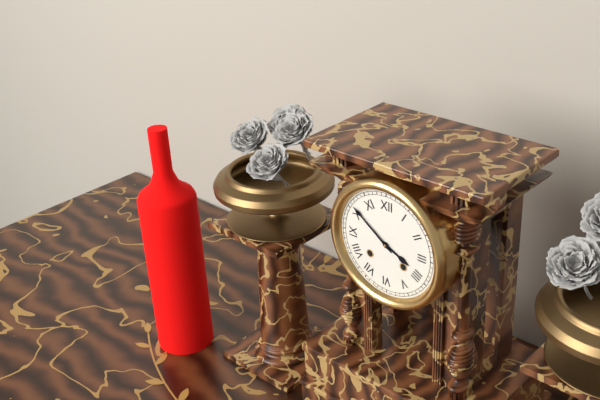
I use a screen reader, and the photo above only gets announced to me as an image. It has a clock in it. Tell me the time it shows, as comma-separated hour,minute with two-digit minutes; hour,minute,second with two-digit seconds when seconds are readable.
3,51
